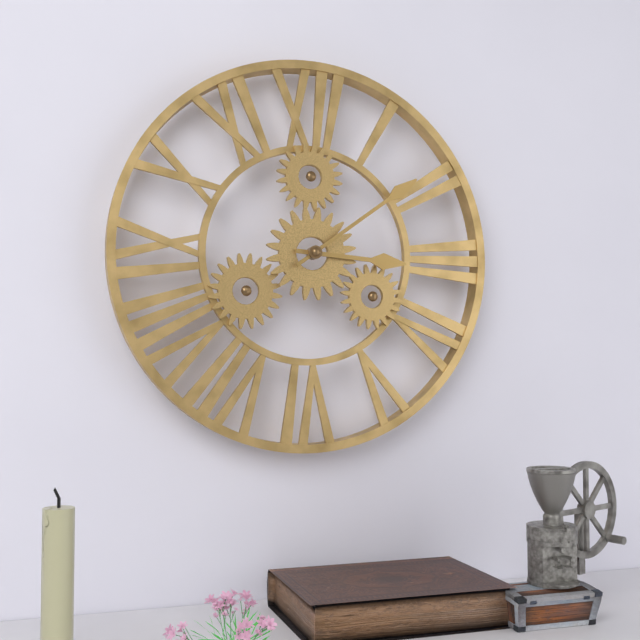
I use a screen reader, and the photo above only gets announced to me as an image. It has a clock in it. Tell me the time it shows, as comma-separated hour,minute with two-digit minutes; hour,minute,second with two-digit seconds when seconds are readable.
3,09
